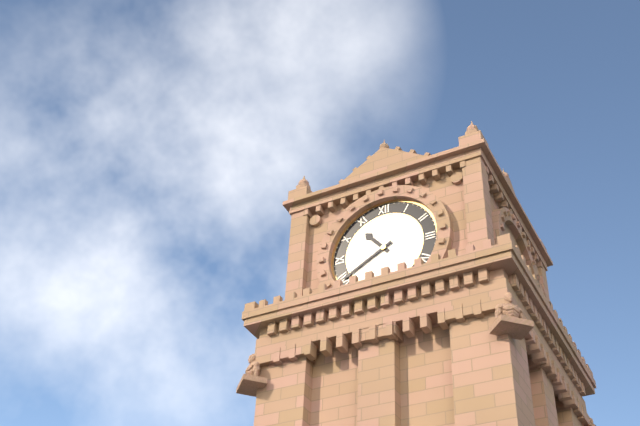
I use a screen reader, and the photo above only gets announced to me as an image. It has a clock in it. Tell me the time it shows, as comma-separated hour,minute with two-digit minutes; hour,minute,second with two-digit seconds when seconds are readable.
10,40
